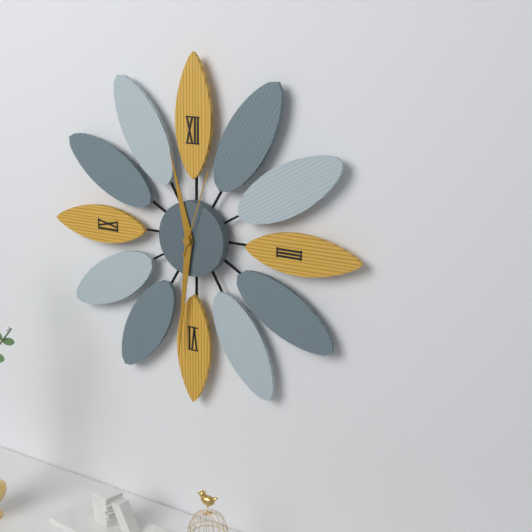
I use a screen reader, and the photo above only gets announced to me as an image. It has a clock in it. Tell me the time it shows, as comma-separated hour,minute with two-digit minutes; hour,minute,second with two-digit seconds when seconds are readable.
11,31,03
